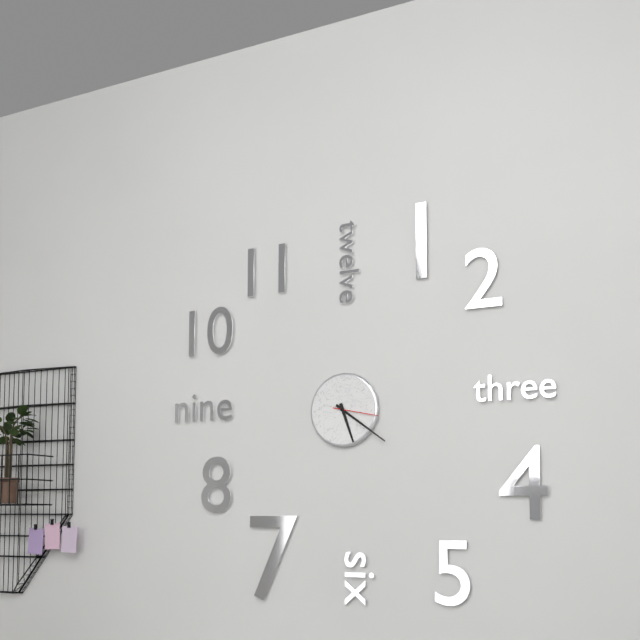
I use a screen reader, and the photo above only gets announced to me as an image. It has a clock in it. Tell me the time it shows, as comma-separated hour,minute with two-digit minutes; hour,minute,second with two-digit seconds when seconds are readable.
5,21
